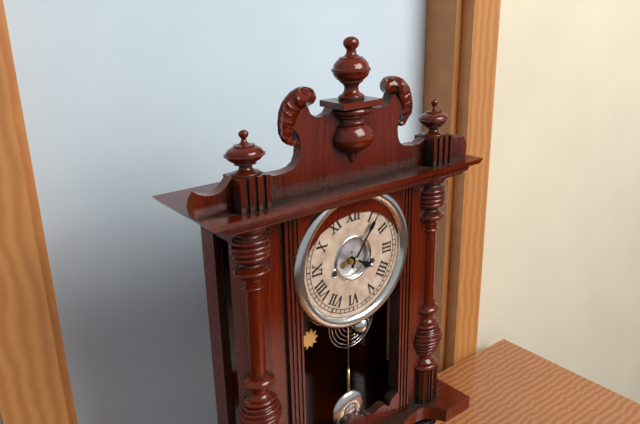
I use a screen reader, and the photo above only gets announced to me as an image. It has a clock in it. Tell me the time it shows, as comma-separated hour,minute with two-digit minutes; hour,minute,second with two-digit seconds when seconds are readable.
4,06
